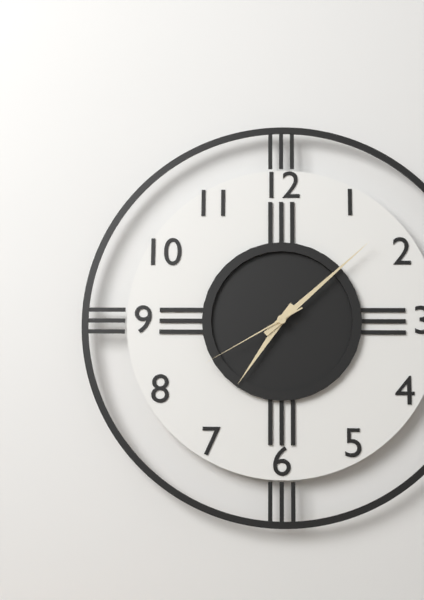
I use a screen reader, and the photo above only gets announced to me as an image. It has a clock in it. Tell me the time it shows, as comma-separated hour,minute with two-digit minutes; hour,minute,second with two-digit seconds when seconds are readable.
7,08,40
